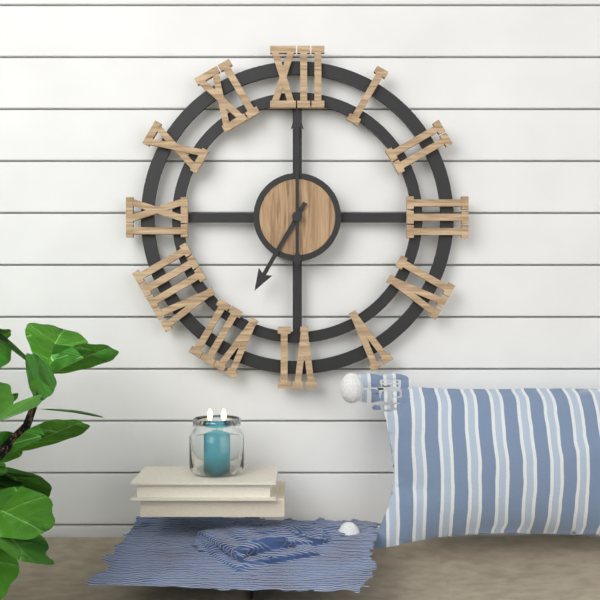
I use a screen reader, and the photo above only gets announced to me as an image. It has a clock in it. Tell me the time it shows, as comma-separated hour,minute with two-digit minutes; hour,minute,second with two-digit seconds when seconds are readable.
7,00
